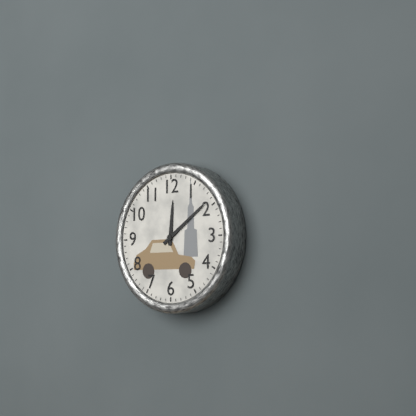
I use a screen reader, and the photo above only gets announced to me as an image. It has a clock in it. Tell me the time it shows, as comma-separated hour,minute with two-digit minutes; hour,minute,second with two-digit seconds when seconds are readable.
12,09
